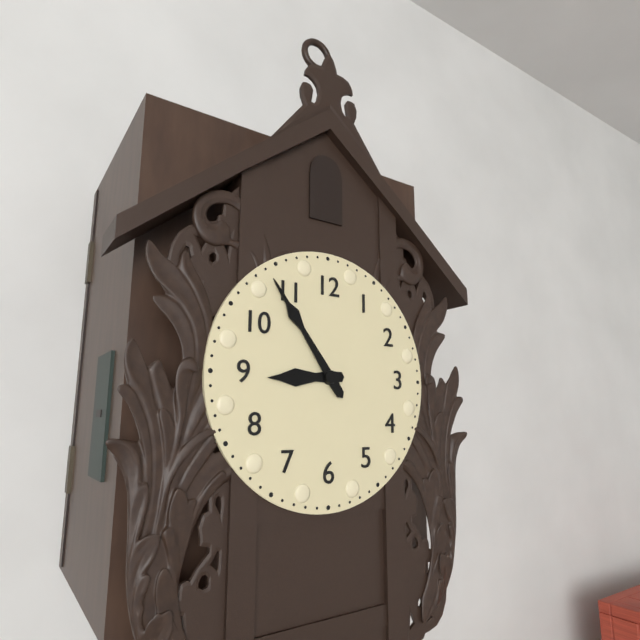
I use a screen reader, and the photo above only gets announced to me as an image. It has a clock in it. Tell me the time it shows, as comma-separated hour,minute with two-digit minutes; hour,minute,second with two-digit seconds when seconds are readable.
8,54
